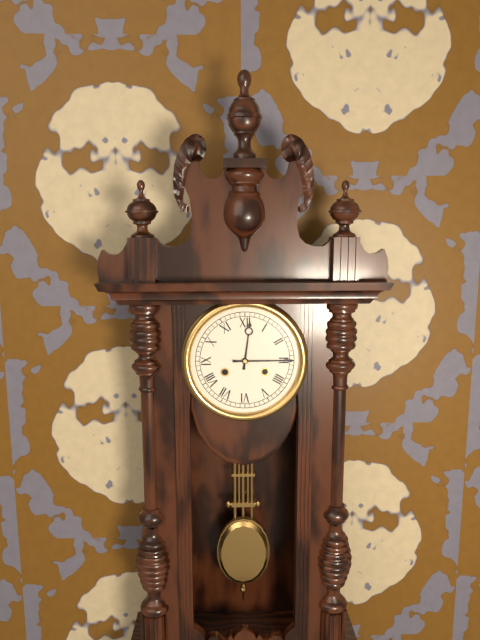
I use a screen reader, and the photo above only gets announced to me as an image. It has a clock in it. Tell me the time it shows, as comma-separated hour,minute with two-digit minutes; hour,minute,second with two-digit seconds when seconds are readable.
12,15
